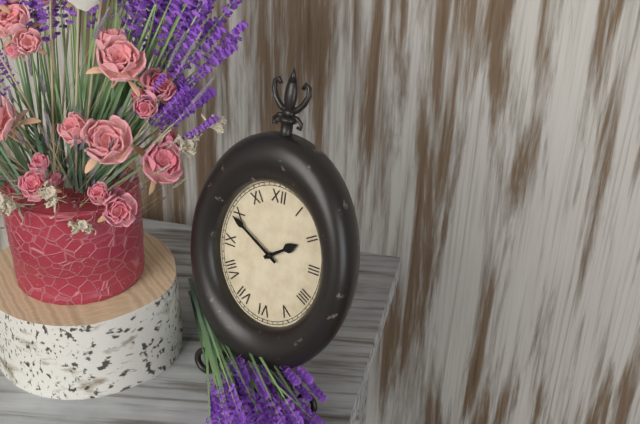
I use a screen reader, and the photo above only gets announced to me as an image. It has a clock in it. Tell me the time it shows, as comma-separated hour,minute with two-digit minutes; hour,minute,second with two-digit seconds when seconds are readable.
1,50
